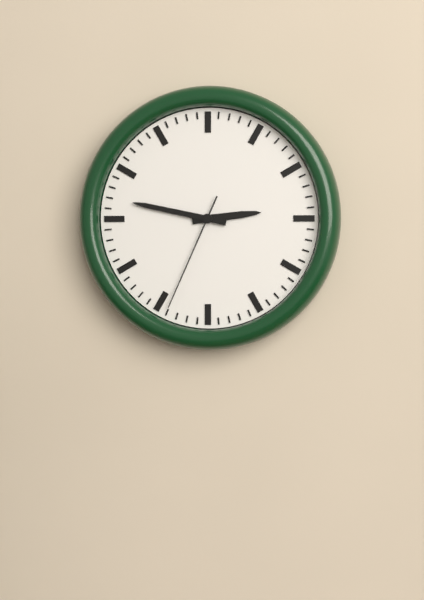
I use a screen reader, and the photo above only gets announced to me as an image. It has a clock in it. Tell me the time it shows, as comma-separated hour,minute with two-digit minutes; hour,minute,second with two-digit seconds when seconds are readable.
2,47,34
